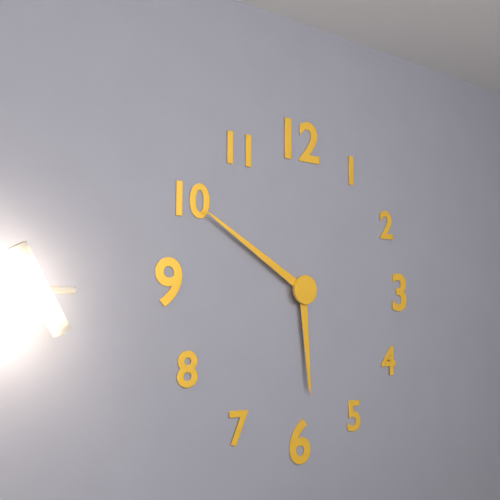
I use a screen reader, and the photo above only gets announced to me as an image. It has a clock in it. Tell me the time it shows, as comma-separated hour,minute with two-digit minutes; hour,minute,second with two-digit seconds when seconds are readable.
5,50
